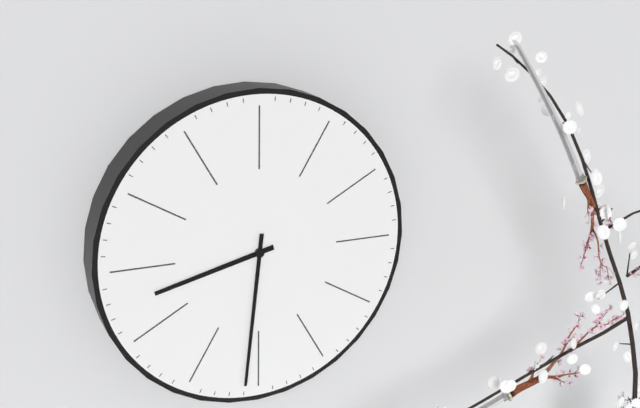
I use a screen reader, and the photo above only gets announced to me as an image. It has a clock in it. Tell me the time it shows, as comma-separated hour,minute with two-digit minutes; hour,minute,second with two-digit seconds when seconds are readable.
8,31
